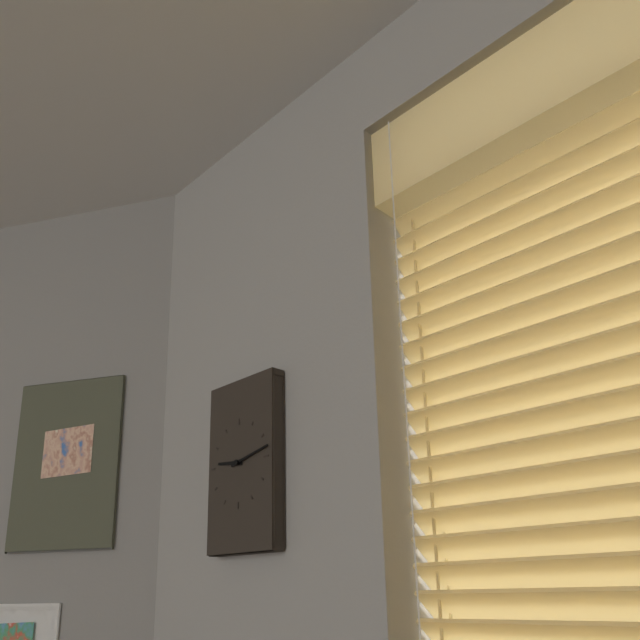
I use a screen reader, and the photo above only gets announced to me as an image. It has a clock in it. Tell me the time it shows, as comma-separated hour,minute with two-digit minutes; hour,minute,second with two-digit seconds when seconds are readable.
9,13
